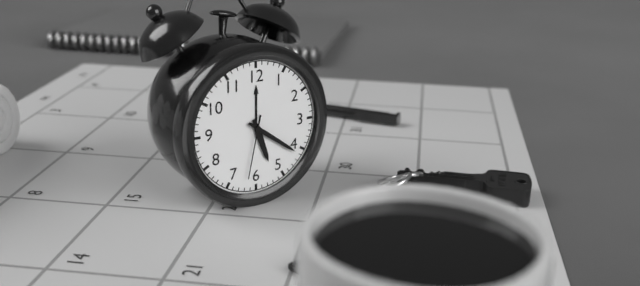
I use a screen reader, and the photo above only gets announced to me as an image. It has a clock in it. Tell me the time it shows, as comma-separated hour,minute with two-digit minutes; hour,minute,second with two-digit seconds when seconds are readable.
5,21,32
